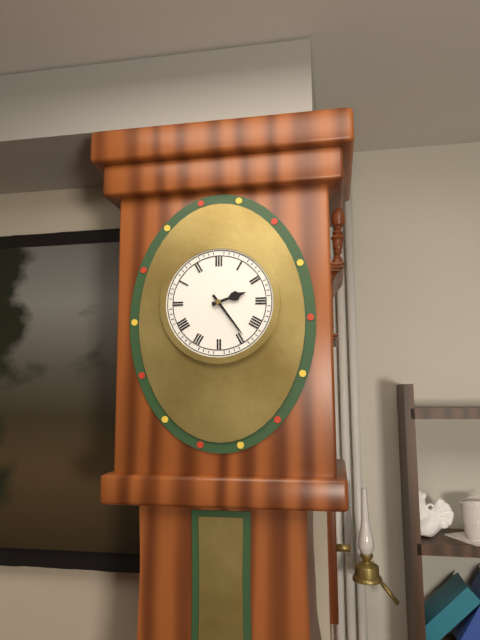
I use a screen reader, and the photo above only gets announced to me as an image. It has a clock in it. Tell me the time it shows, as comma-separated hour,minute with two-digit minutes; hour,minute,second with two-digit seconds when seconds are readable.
2,24
